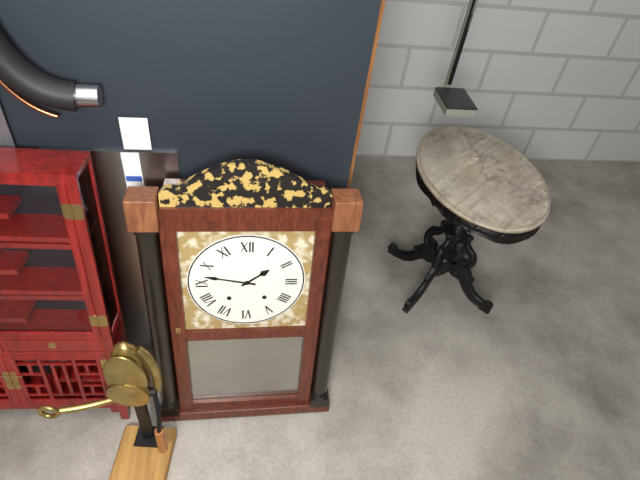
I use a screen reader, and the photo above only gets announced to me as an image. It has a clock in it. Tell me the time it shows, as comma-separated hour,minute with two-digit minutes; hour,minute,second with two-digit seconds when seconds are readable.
1,47
